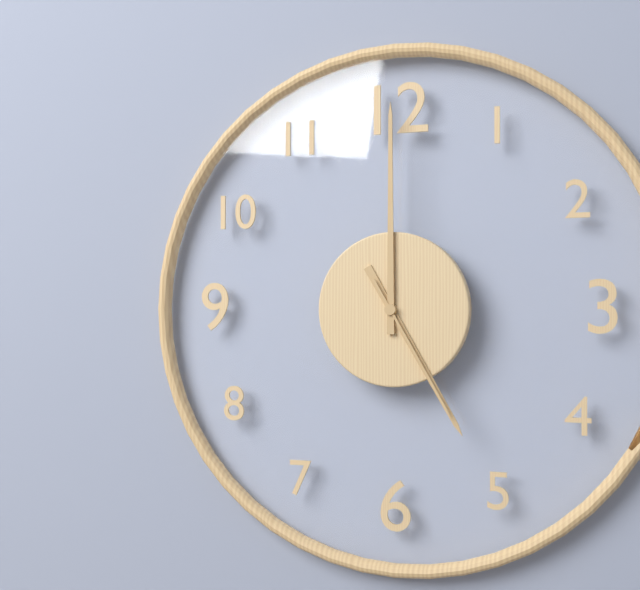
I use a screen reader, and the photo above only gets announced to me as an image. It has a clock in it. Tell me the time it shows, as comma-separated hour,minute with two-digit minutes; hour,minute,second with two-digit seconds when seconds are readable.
5,00,25
